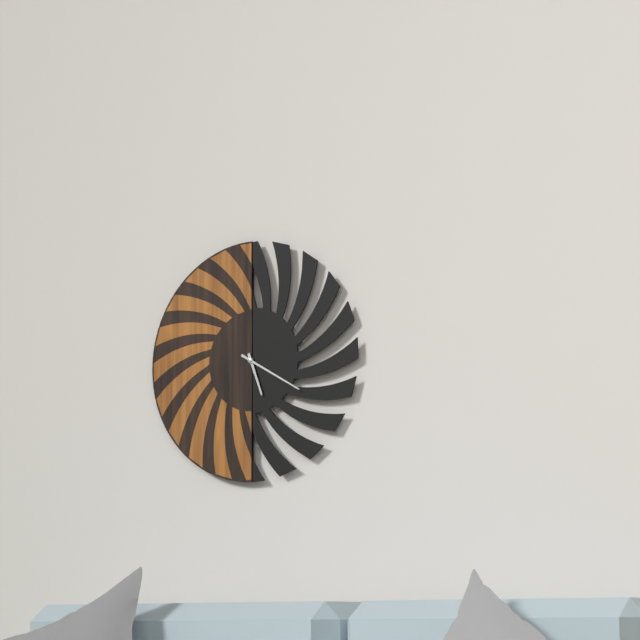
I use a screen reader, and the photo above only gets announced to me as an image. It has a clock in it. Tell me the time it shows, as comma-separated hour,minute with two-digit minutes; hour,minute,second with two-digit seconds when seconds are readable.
5,20
